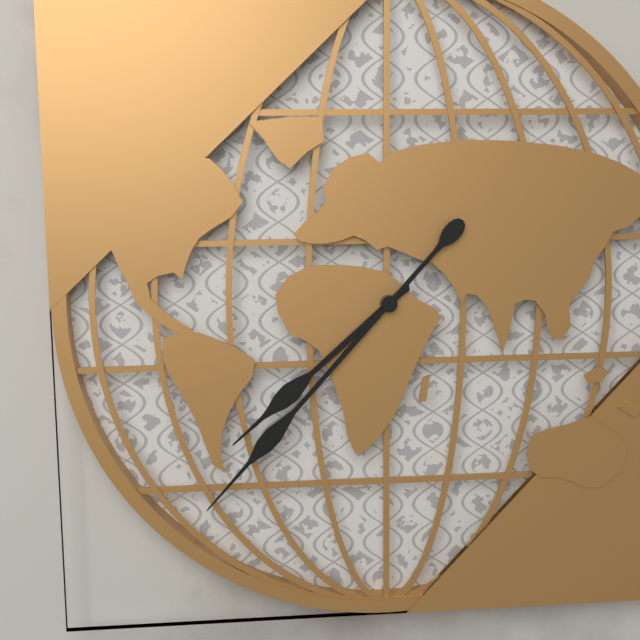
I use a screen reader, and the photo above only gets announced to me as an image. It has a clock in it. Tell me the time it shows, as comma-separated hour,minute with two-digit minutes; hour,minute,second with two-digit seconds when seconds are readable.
7,37
